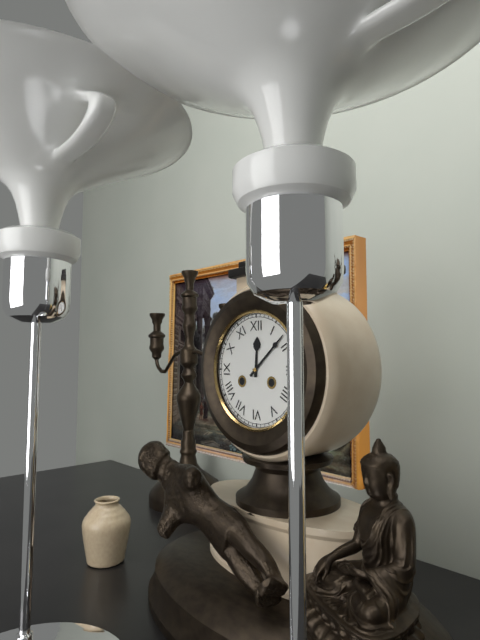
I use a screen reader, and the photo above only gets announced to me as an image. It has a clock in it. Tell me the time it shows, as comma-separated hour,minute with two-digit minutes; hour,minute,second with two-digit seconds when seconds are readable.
12,08
